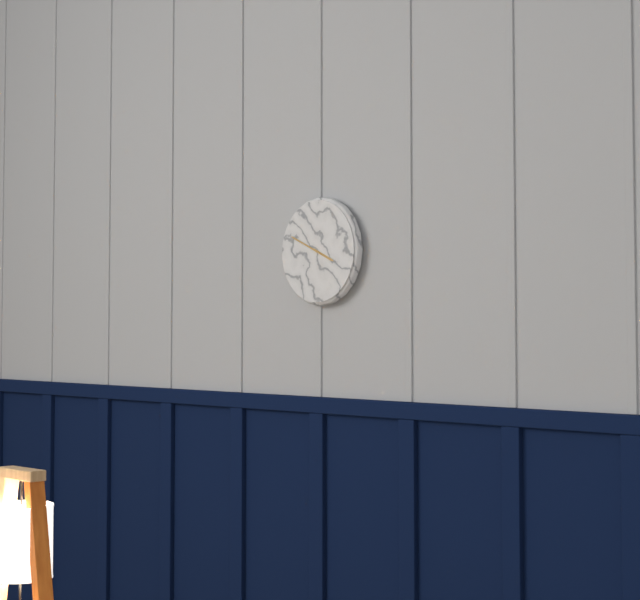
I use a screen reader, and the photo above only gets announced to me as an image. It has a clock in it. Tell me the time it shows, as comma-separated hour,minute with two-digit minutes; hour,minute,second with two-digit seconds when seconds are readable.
3,49
